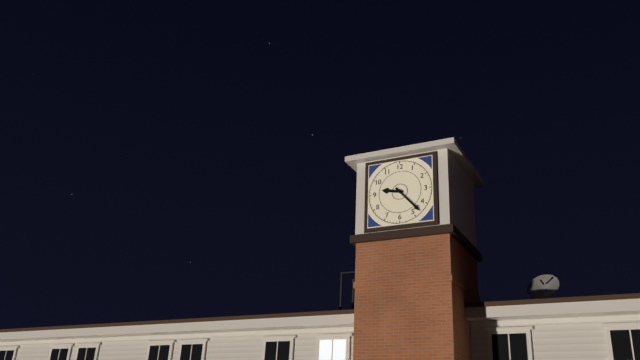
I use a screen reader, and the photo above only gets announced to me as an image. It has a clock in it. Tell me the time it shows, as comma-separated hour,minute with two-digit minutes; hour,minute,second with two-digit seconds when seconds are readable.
9,23
